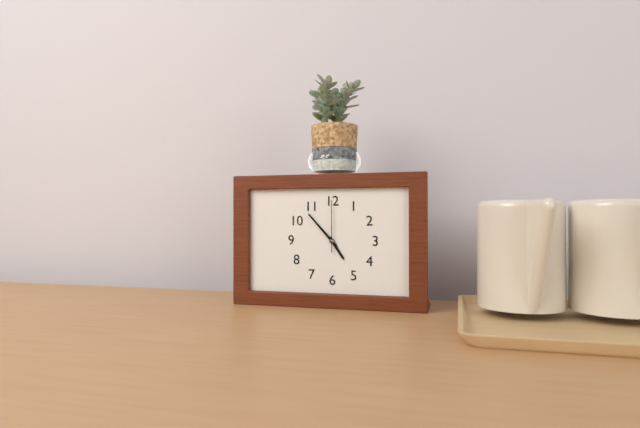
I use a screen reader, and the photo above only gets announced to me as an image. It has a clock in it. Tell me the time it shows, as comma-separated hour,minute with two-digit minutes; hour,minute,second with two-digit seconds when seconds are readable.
4,53,00
